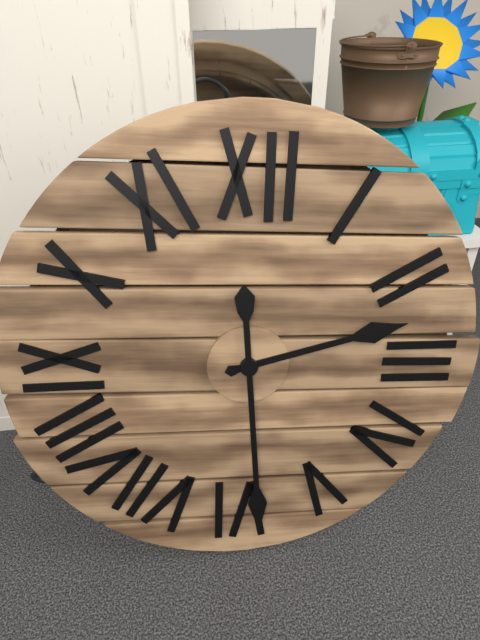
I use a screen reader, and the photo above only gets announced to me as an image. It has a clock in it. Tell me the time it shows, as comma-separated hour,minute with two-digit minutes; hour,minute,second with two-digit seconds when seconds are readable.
2,29
